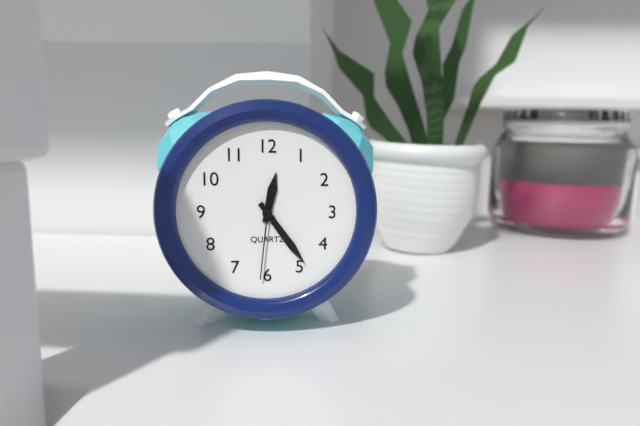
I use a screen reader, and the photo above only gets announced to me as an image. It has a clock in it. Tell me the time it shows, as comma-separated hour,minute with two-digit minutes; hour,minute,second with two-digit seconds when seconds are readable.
12,24,31
